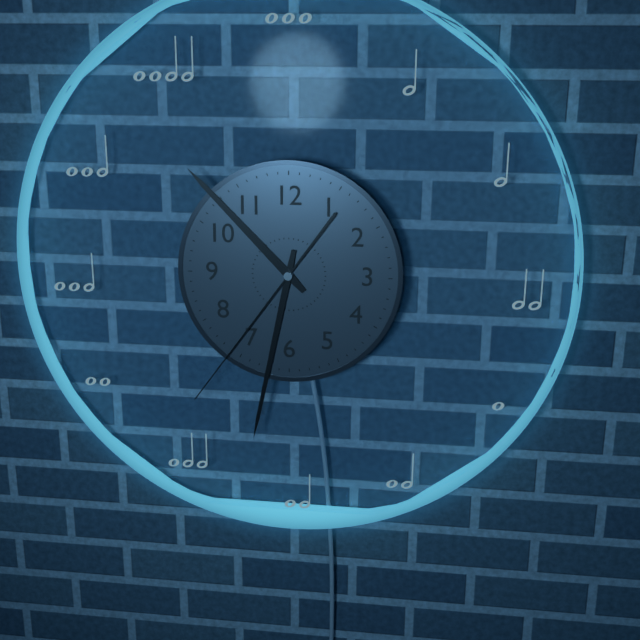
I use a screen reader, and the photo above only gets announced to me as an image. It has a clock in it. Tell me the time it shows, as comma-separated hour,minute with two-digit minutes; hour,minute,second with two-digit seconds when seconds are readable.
10,32,36
